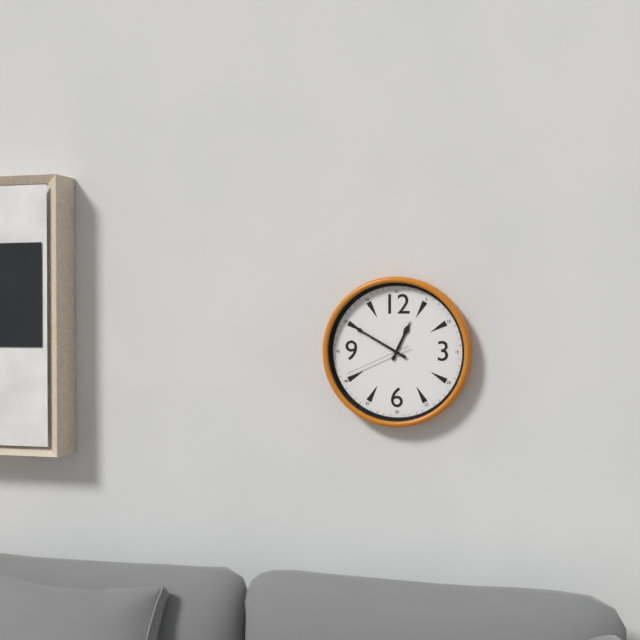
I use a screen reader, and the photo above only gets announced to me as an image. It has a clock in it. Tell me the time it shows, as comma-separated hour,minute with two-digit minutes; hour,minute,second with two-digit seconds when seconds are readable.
12,50,41
